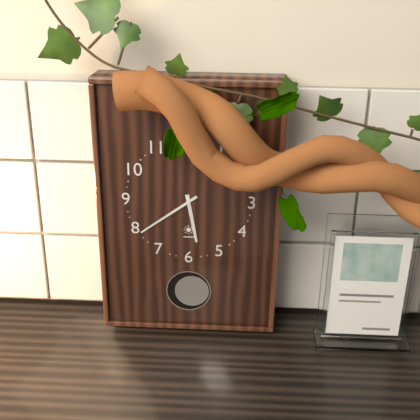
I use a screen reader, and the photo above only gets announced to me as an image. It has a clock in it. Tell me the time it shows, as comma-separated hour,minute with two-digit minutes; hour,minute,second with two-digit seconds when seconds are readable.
5,39
